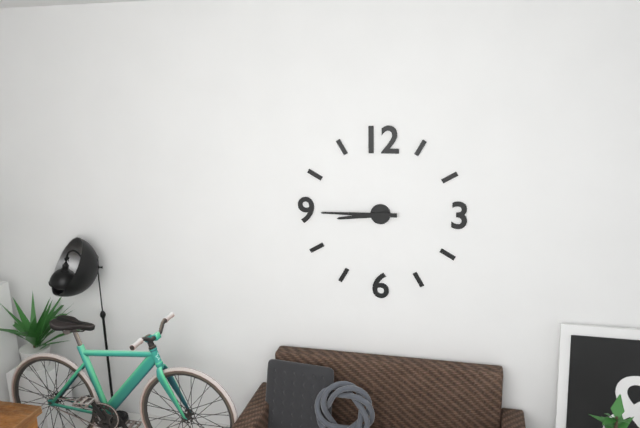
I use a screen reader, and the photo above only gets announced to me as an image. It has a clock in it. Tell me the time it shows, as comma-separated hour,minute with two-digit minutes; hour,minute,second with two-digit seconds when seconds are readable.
8,45
